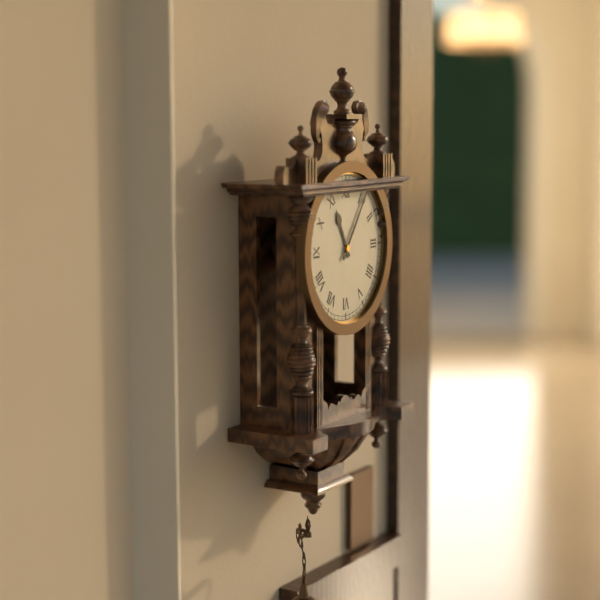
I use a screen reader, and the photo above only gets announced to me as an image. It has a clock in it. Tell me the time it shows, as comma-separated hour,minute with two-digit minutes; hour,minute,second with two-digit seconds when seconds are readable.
11,06
